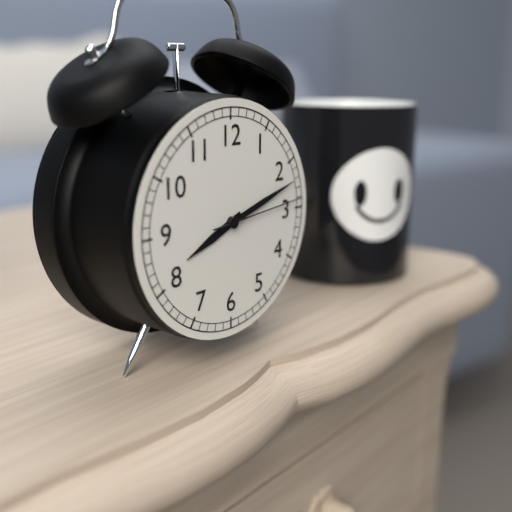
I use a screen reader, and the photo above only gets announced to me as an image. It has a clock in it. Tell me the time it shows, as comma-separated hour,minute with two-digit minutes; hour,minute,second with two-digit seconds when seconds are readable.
8,12,14
